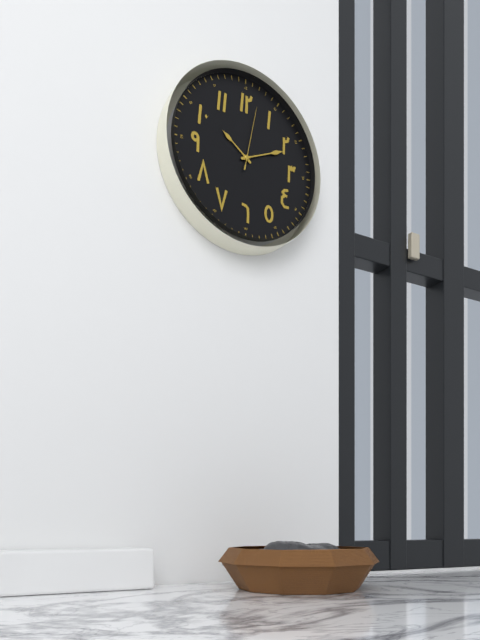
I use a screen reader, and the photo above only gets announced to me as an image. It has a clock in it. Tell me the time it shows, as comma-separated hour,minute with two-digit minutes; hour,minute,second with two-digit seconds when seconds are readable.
10,11,02
